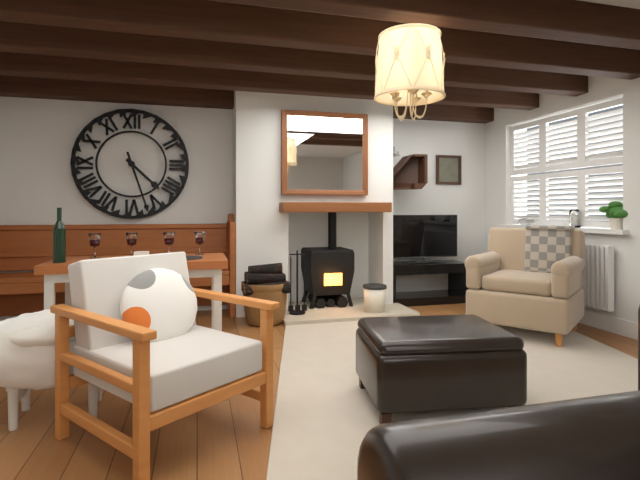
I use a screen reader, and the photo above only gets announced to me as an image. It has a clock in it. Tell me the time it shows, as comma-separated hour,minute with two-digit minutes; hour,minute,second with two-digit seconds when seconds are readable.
4,27
